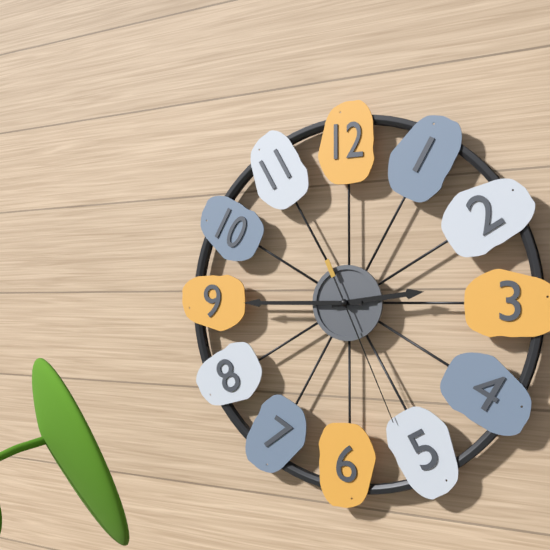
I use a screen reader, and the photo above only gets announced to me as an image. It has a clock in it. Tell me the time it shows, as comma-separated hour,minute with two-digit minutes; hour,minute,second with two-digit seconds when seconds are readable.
2,45,26
